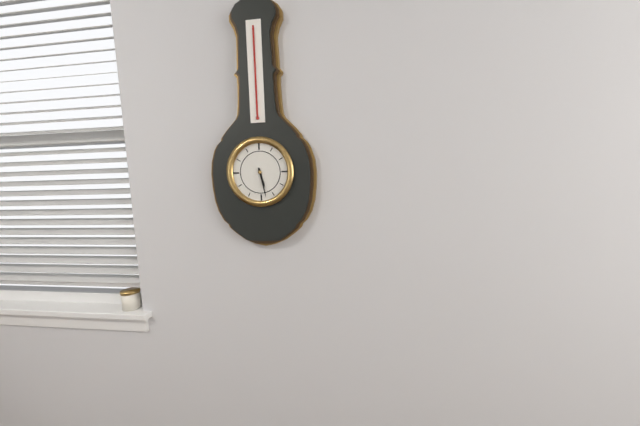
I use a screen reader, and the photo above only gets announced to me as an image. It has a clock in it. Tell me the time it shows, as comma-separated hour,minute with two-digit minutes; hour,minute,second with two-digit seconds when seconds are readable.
5,28
